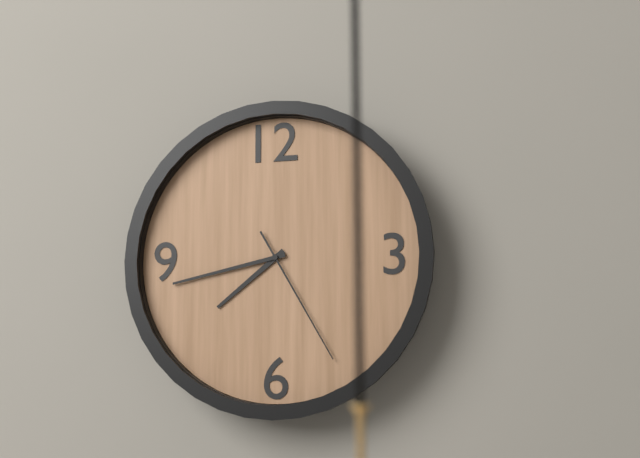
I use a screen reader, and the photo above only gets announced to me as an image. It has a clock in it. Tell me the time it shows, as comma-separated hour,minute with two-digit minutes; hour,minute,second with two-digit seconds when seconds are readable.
7,43,25
